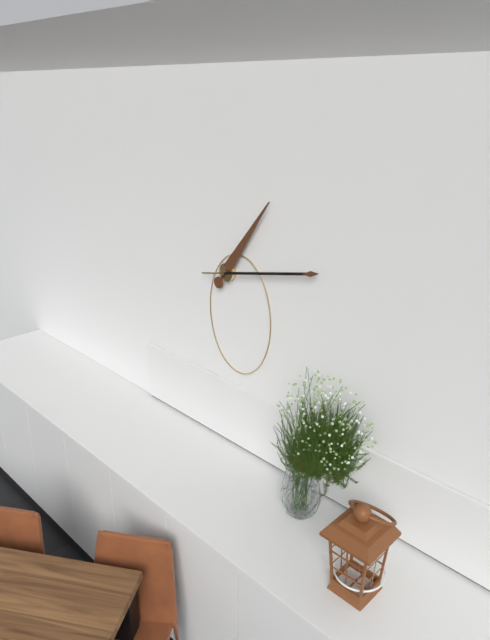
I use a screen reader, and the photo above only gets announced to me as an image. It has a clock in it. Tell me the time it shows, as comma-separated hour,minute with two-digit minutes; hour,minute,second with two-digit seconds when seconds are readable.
1,13
